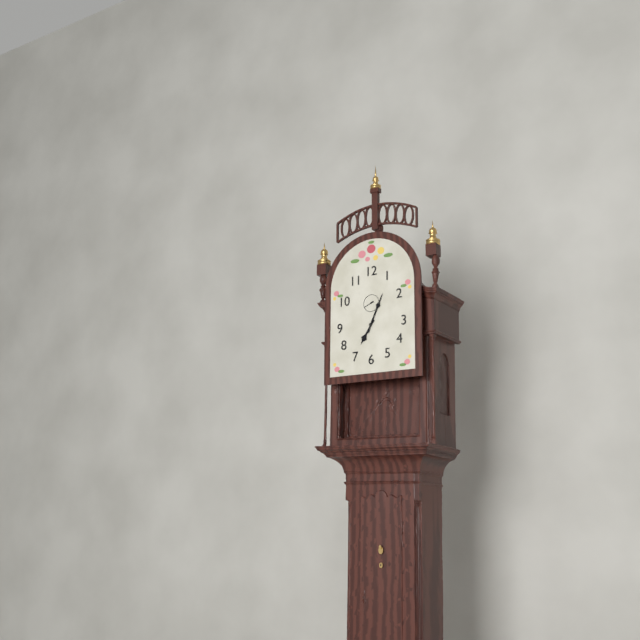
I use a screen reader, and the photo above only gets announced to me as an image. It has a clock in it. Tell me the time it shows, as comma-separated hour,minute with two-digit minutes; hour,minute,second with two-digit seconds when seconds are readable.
7,04
